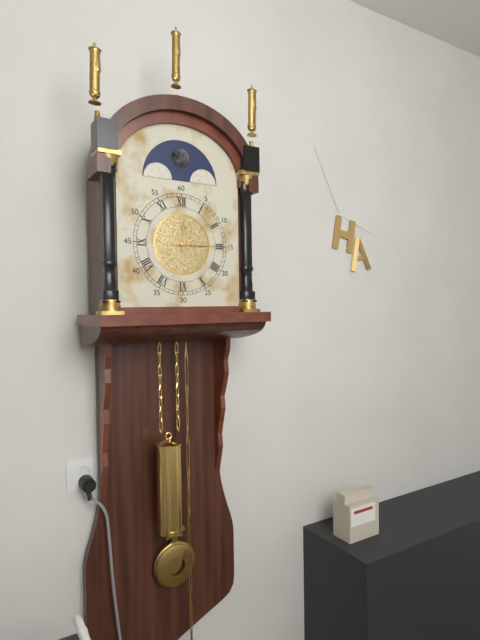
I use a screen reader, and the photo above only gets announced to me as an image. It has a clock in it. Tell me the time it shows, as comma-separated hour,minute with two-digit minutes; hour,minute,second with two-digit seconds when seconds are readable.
12,15
